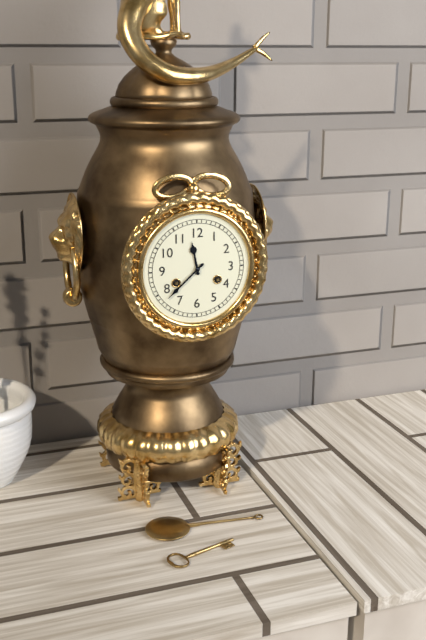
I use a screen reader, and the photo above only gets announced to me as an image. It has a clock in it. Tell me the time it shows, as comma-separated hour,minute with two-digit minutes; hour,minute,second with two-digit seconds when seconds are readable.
11,38
